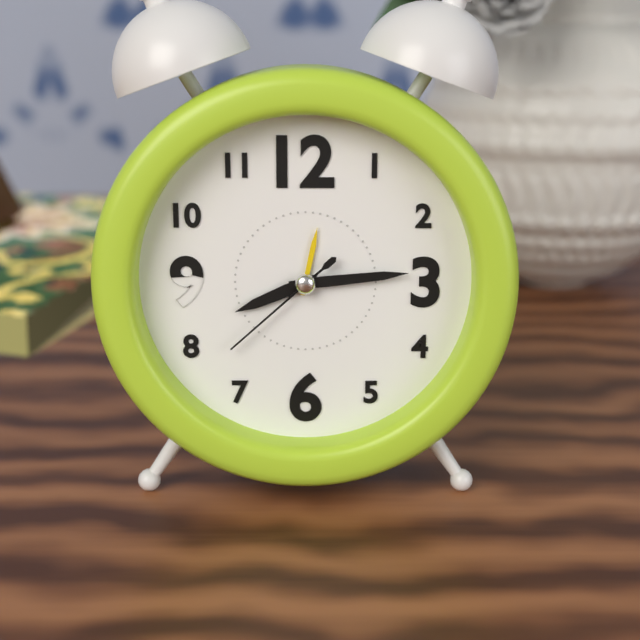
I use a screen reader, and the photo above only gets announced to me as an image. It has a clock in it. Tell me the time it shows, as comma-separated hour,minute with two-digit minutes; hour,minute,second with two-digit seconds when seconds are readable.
8,14,38
